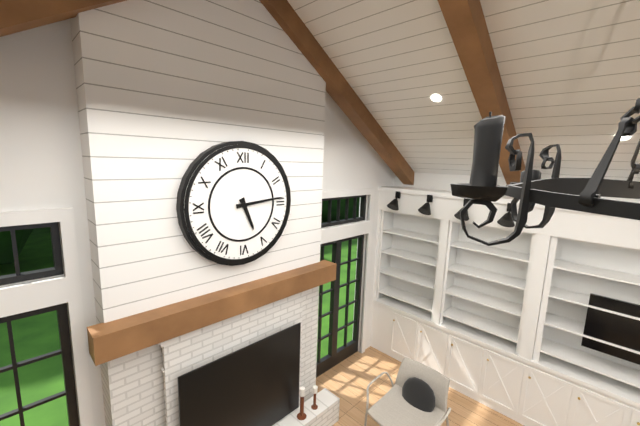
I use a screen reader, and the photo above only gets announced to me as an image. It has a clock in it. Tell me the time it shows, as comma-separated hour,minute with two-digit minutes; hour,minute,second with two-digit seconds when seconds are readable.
5,14
